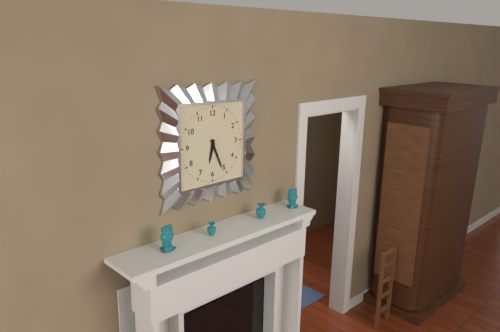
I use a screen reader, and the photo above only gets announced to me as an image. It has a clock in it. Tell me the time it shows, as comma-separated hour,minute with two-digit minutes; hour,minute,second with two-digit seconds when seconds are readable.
6,26
